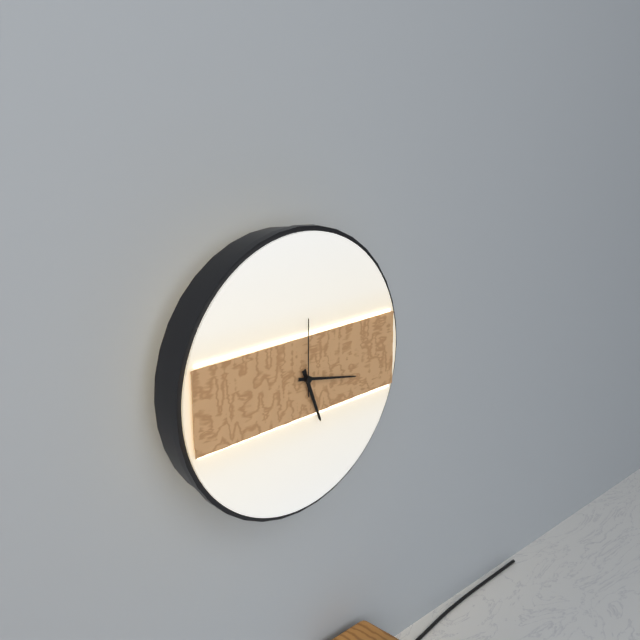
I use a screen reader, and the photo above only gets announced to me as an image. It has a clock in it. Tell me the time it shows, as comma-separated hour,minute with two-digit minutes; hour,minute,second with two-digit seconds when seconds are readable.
5,17,00
